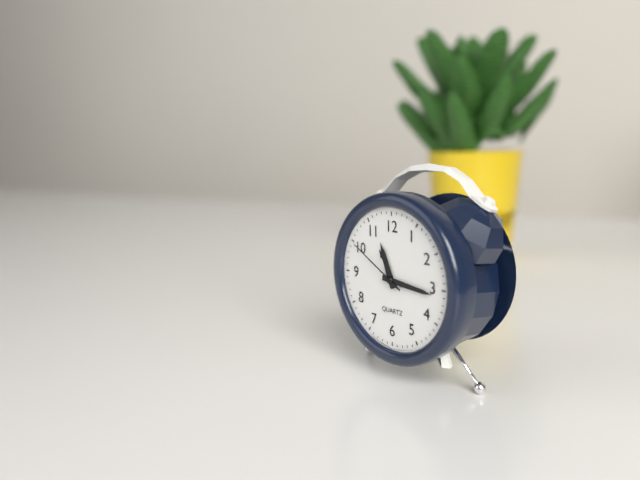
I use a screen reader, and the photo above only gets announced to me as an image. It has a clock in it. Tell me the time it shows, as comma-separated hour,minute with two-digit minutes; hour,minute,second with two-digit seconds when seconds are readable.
11,16,50
